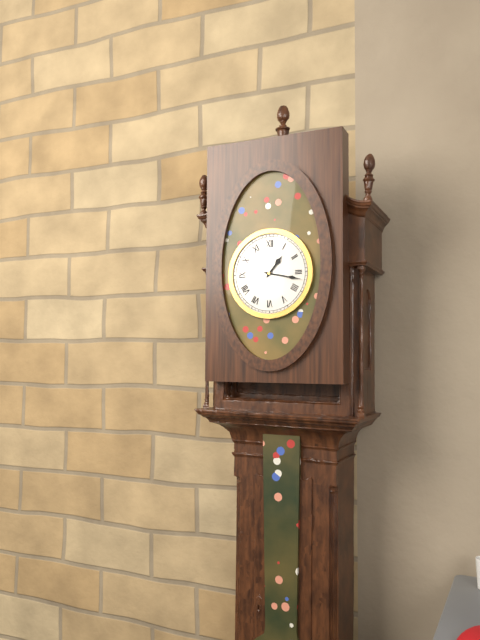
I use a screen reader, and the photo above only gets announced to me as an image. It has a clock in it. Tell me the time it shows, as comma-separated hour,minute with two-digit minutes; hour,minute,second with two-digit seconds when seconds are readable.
1,17
